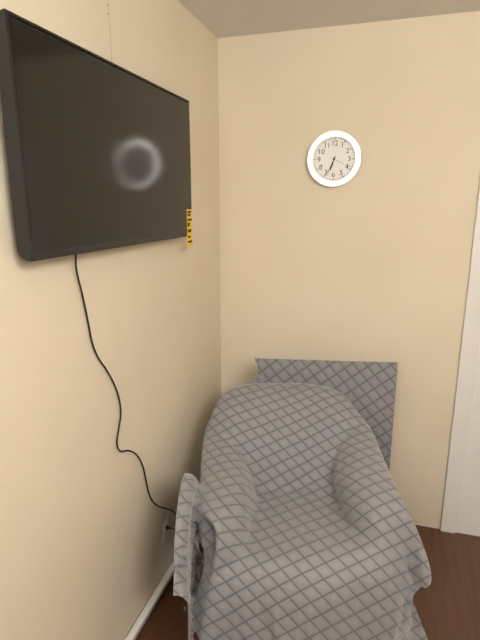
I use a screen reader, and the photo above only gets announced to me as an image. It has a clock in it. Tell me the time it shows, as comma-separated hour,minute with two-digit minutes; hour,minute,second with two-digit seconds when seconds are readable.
6,34
